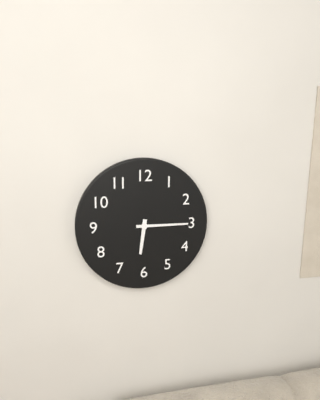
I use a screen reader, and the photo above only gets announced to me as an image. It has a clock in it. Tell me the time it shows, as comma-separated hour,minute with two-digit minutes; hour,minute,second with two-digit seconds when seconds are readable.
6,15
